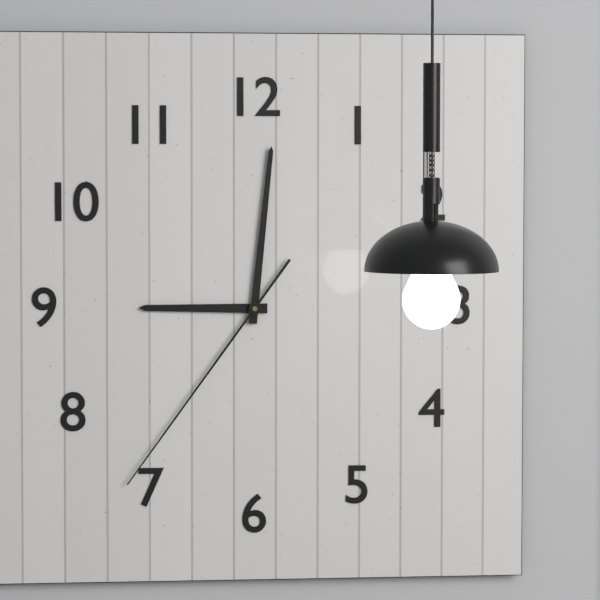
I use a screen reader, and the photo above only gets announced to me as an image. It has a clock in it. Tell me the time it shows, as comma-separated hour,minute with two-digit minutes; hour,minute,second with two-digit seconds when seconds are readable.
9,01,36
